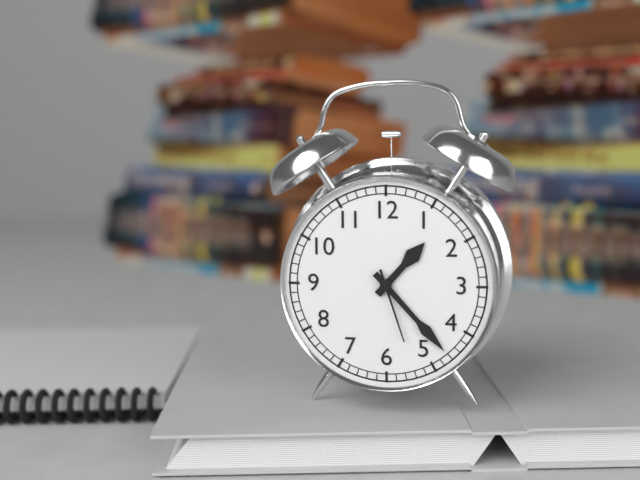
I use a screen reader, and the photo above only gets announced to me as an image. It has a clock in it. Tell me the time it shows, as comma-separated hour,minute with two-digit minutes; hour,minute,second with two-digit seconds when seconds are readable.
1,23,27
